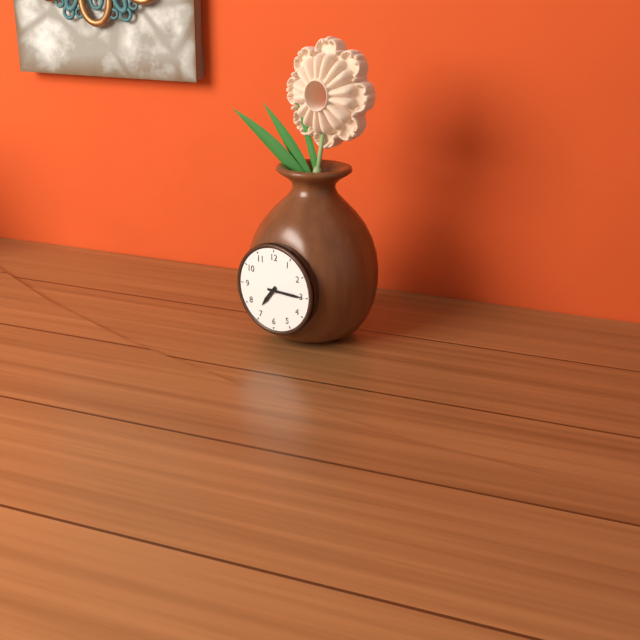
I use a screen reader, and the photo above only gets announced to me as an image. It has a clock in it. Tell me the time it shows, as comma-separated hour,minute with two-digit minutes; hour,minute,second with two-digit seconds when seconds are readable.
7,15
